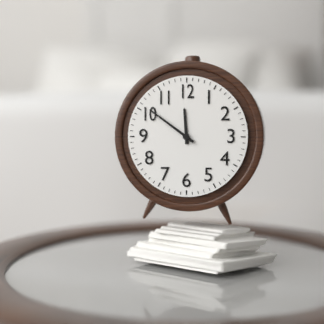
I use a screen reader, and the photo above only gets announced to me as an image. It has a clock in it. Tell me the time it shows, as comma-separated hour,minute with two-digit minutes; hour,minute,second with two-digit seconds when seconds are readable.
11,51
